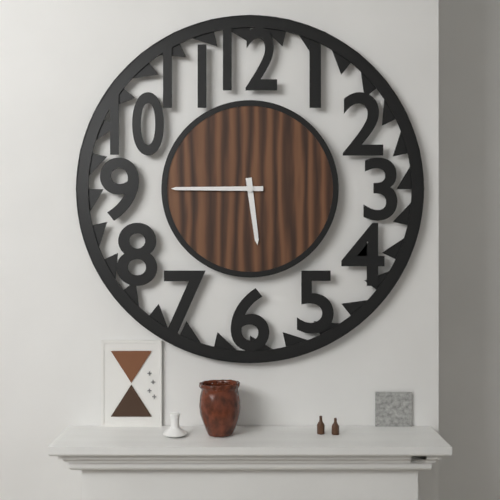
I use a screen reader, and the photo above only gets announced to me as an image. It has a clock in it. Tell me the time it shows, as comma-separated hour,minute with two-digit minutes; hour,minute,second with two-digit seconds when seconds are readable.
5,45
